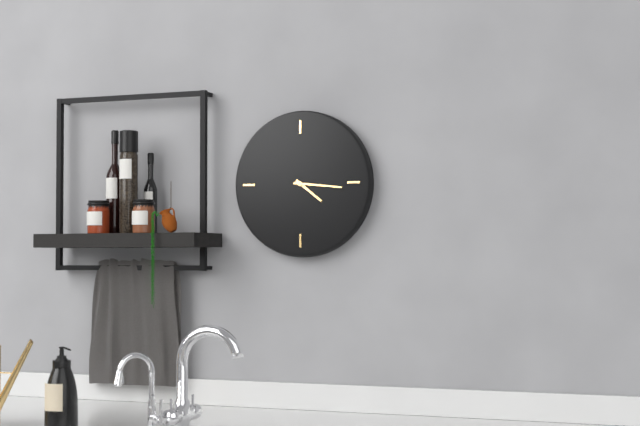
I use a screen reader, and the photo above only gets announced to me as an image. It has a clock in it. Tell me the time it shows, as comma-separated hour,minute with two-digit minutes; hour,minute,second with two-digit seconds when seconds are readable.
4,16
